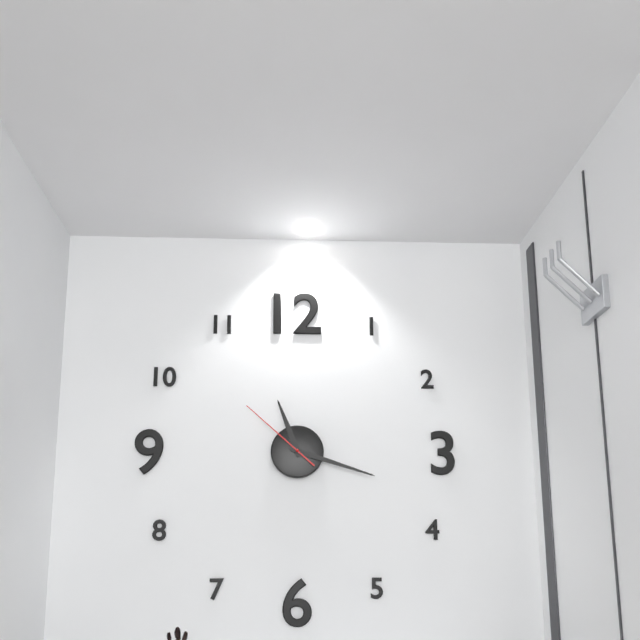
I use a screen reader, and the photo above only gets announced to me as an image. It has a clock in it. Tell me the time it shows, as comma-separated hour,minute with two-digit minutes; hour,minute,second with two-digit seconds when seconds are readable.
11,18,52
